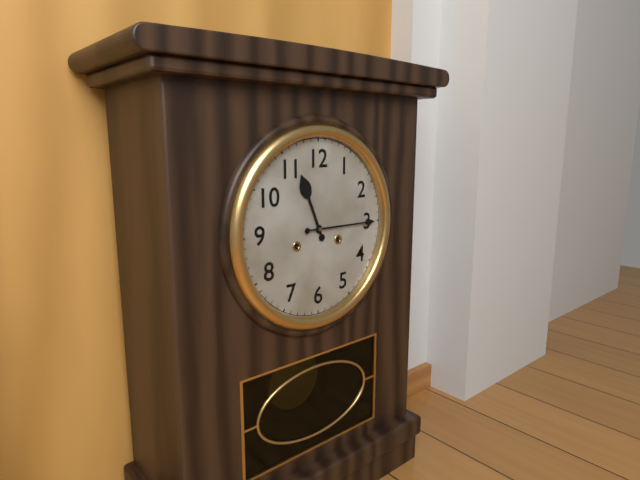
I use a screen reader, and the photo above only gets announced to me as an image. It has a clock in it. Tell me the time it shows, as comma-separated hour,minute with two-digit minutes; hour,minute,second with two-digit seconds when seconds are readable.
11,15
